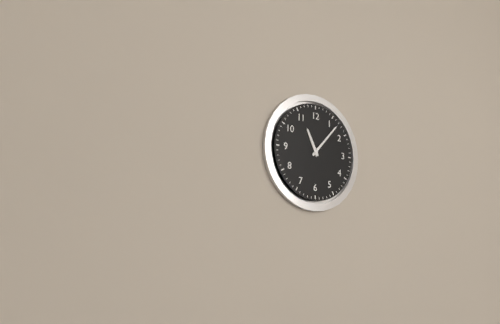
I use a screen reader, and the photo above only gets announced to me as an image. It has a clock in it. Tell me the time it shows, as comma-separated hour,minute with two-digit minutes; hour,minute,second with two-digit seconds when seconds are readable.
11,07
